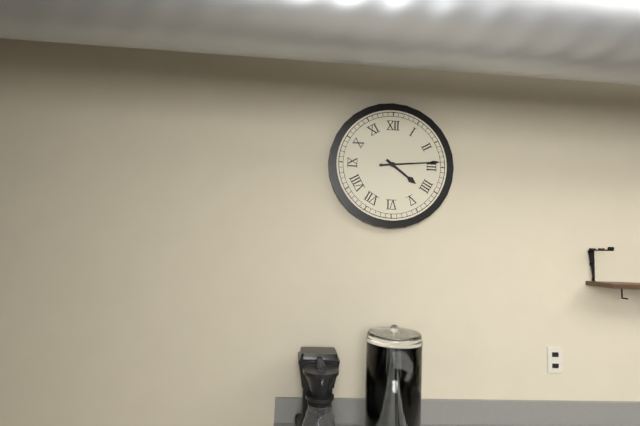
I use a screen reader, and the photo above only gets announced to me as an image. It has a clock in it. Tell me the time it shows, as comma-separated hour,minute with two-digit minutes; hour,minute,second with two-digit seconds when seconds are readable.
4,14
